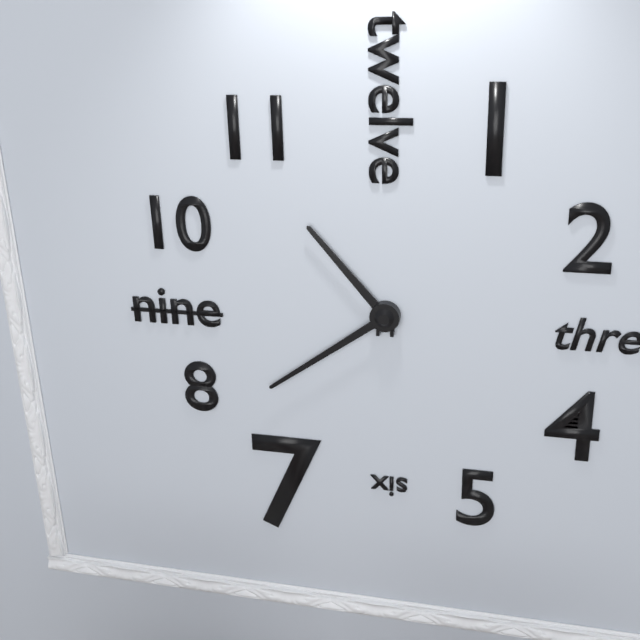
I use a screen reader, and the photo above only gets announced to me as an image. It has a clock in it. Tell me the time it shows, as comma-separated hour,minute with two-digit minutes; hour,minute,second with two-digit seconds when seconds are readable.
10,39
